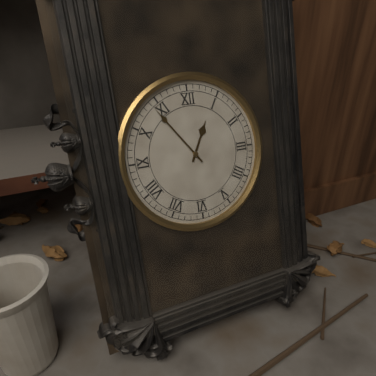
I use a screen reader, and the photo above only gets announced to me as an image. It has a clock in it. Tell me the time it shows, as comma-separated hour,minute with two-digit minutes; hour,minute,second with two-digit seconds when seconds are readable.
12,54
